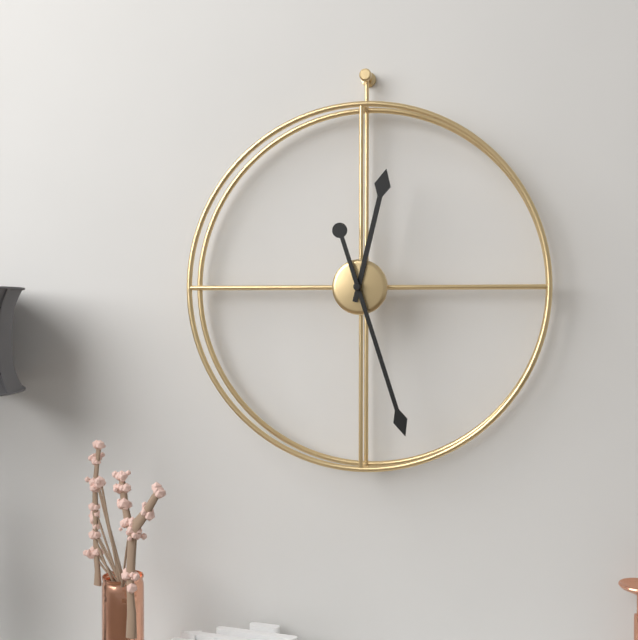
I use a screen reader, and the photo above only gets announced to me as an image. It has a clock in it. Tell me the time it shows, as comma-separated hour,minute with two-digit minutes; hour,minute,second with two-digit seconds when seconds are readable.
12,27
